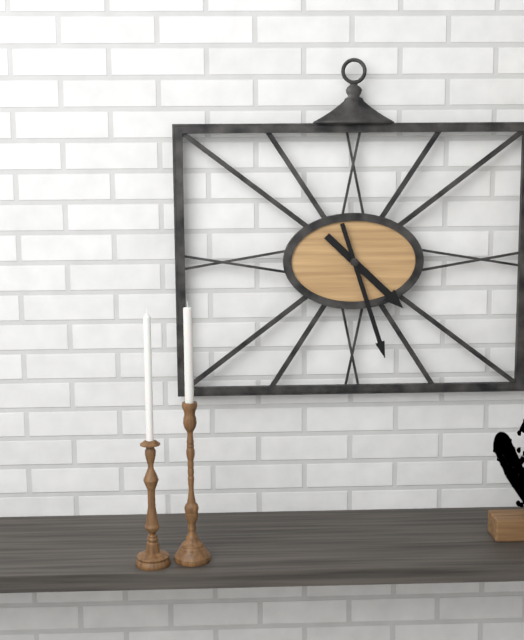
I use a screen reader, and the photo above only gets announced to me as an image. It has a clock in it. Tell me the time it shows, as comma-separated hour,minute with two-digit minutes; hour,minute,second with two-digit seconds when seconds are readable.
4,27
